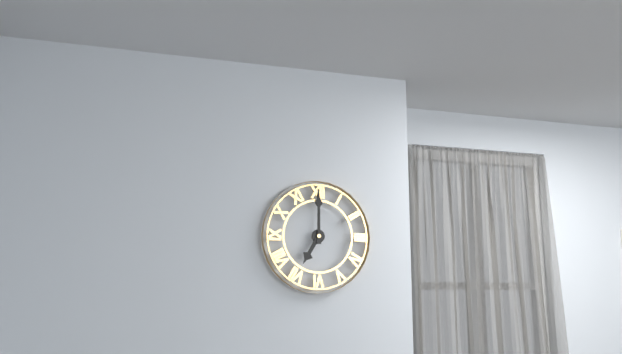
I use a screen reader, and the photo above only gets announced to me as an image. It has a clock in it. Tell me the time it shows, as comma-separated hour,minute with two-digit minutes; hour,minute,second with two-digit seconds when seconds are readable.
7,00
